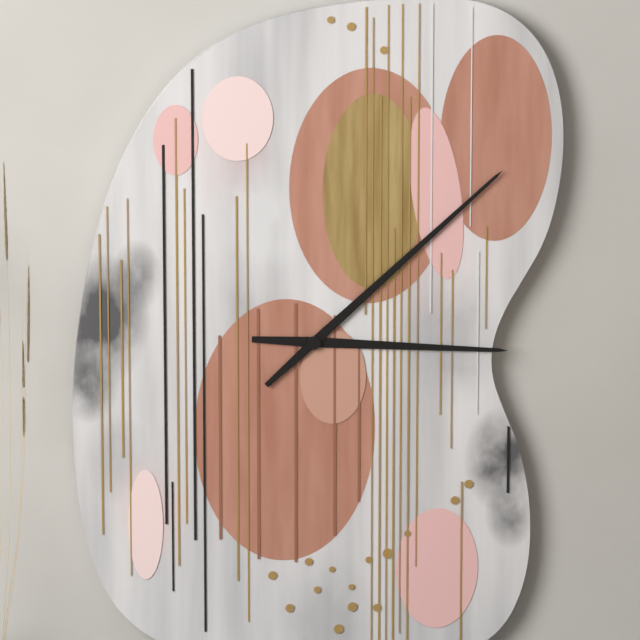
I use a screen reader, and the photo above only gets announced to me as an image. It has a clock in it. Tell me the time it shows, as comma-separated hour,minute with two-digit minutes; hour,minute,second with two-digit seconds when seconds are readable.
3,08
